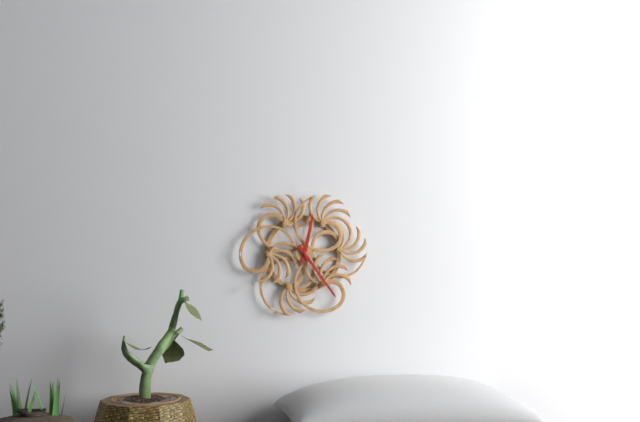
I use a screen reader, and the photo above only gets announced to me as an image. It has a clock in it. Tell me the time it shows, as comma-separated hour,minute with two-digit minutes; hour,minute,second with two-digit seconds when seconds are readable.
12,24
